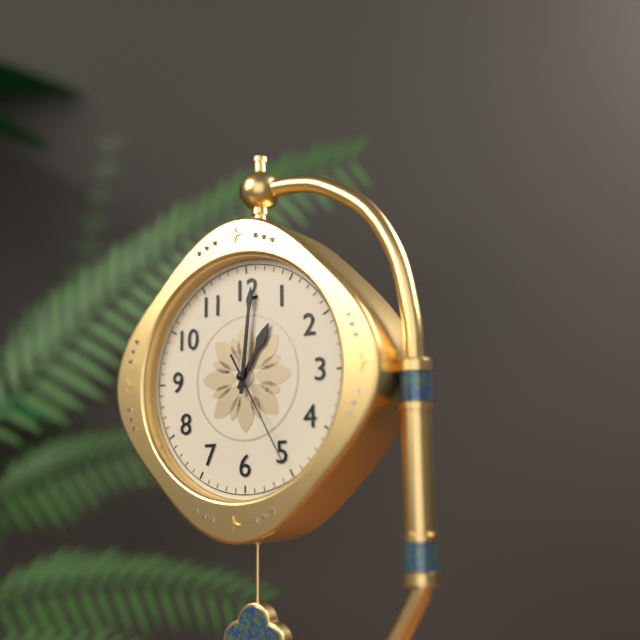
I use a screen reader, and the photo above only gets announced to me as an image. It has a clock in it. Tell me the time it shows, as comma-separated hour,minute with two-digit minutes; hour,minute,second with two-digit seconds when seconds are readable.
1,01,25
